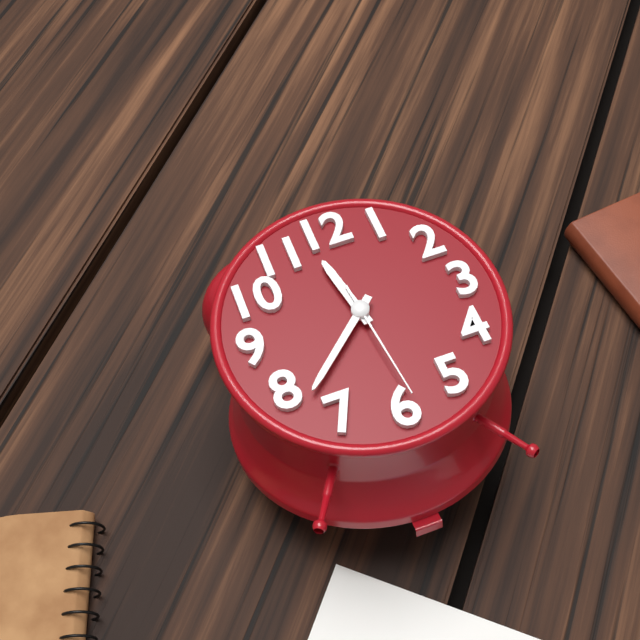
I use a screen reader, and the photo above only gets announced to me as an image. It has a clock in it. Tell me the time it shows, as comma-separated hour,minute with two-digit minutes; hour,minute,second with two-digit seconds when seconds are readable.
11,38,29
